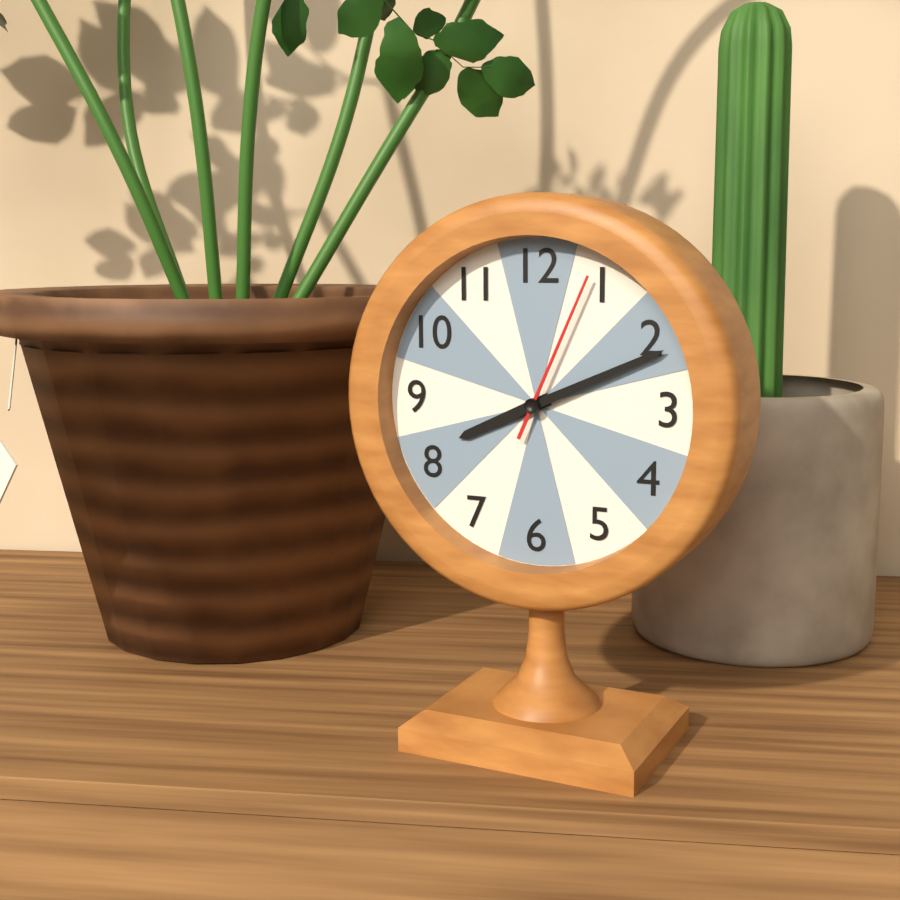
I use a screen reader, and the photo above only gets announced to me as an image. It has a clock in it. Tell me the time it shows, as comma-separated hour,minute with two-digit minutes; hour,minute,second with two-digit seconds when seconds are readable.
8,11,04
